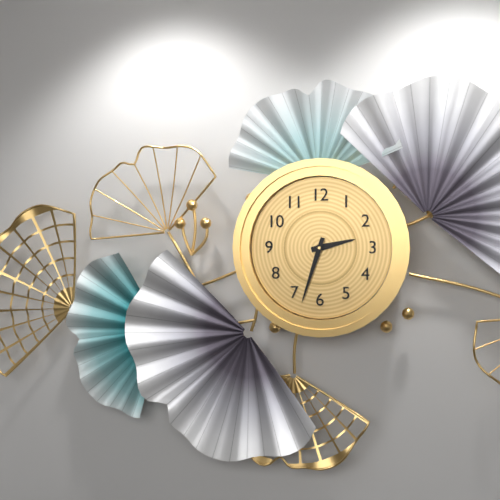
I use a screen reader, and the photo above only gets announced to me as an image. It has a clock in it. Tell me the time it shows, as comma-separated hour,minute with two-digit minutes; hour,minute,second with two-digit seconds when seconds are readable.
2,33
